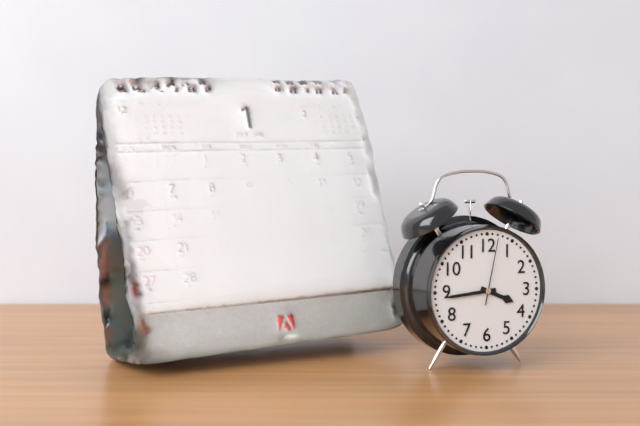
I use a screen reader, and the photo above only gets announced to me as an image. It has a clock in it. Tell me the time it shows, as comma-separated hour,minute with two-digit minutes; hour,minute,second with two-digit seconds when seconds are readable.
3,44,02
